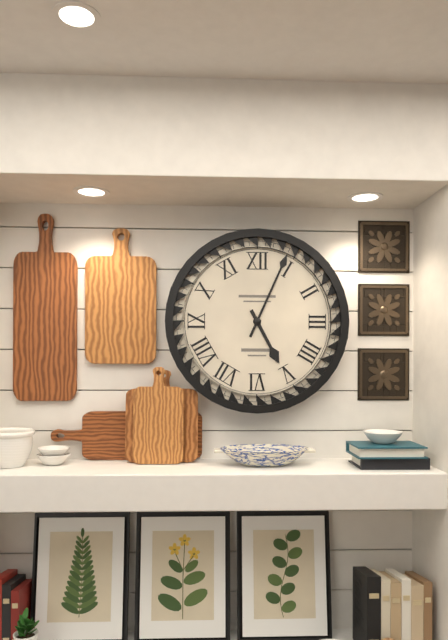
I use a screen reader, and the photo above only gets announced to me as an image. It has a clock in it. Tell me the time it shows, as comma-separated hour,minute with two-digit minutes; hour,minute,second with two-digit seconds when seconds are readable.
5,04
